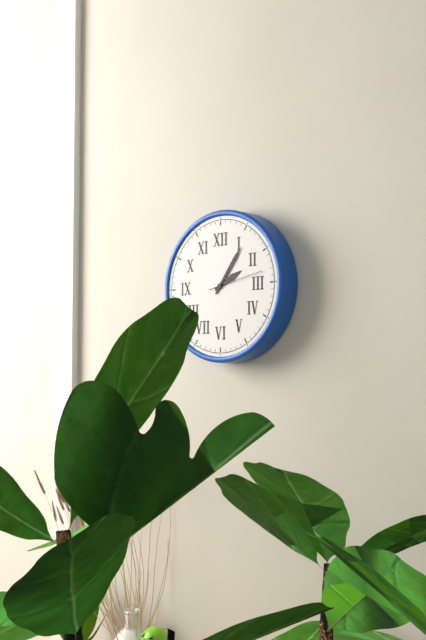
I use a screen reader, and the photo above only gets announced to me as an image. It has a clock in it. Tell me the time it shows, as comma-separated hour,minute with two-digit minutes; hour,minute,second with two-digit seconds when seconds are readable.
2,06,13
